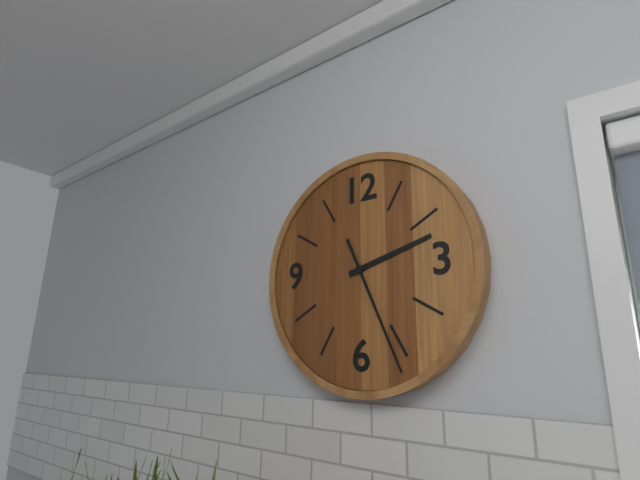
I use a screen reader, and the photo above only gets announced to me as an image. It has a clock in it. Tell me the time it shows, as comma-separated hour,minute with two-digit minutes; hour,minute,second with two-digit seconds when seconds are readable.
2,26
